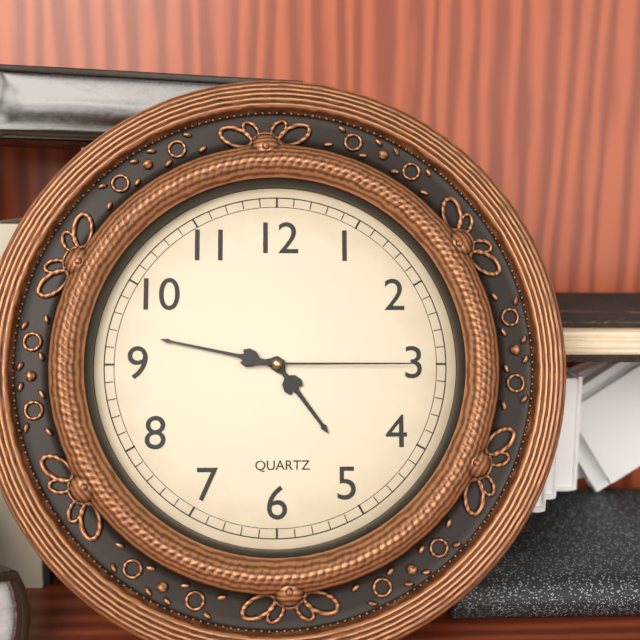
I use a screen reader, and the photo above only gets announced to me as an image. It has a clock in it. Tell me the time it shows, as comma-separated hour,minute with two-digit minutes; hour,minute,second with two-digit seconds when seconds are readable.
4,47,15
